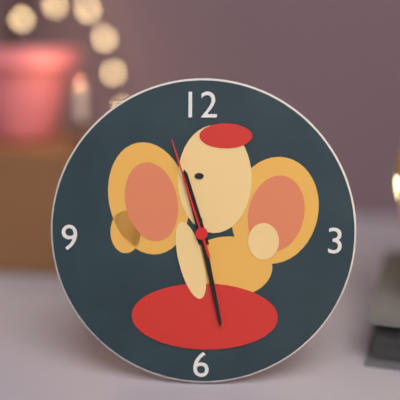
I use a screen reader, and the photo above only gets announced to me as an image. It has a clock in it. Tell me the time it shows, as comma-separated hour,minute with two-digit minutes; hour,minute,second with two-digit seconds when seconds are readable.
11,28,57
